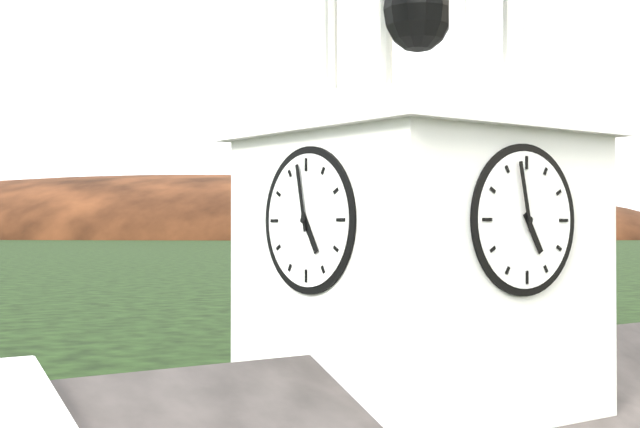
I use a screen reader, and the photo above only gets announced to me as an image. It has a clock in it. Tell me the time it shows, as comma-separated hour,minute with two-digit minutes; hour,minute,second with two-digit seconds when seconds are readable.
4,58
